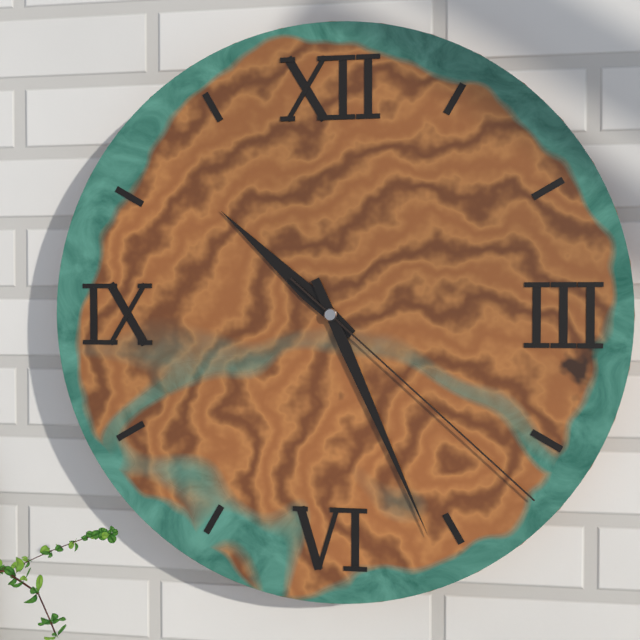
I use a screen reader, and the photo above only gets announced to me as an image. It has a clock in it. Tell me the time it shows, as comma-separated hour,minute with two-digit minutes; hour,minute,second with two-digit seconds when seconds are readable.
10,26,22
